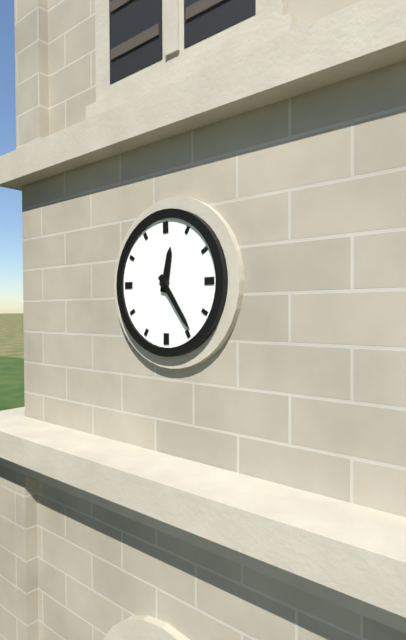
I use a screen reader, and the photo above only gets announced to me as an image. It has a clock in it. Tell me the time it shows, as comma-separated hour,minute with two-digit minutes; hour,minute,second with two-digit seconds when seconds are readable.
12,24
